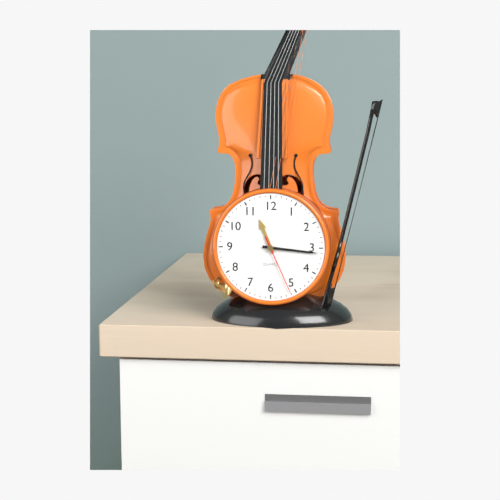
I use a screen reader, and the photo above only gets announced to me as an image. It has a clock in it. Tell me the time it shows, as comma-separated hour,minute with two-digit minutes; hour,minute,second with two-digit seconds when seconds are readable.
11,16,26
